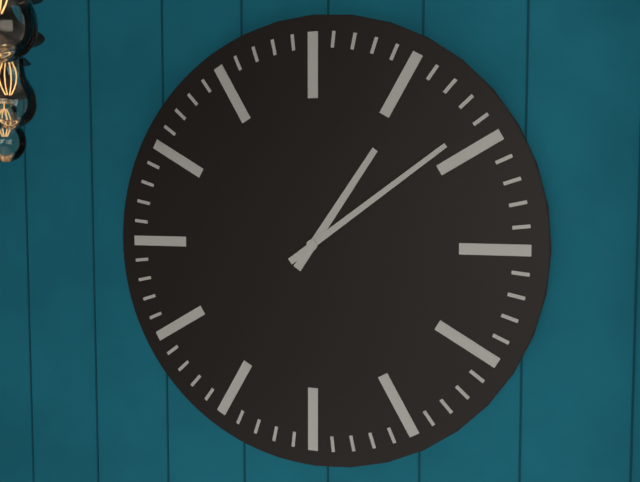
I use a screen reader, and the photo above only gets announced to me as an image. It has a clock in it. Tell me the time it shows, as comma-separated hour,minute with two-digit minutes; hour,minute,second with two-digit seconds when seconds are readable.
1,09
